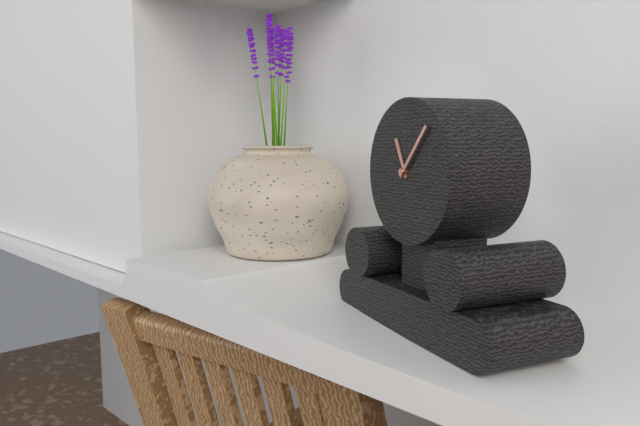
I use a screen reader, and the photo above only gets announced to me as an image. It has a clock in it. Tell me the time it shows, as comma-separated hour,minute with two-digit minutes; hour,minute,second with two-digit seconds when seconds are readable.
11,07
